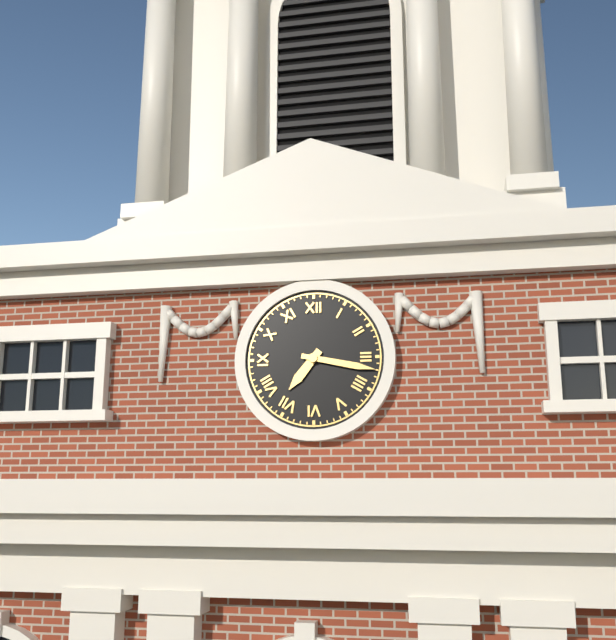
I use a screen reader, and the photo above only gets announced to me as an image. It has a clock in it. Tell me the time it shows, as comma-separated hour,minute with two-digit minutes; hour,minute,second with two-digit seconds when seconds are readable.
7,17
